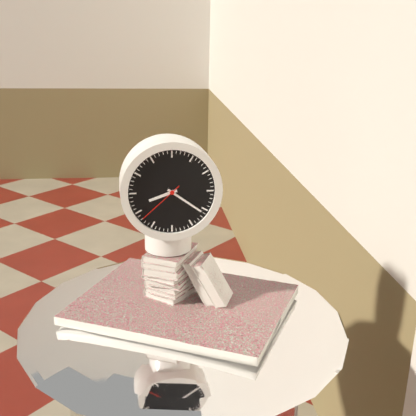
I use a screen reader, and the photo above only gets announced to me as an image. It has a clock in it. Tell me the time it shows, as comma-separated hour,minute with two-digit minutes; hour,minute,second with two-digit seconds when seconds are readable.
8,21
